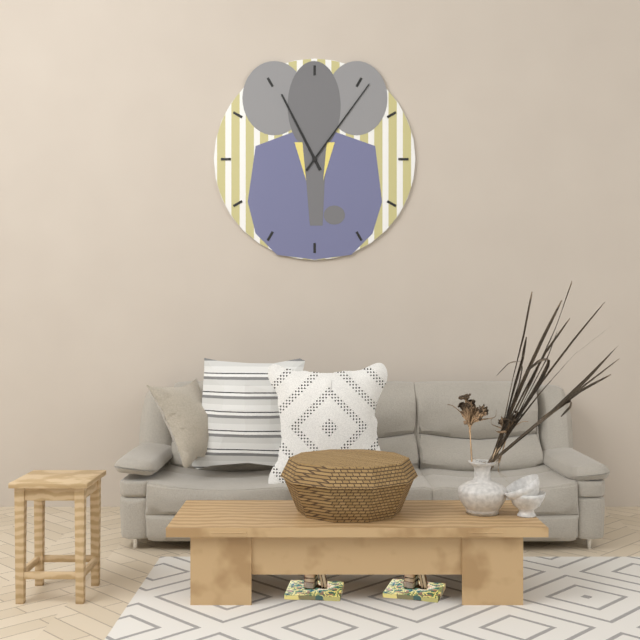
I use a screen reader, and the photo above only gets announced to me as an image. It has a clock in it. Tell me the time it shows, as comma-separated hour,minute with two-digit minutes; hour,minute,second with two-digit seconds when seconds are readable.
11,06
